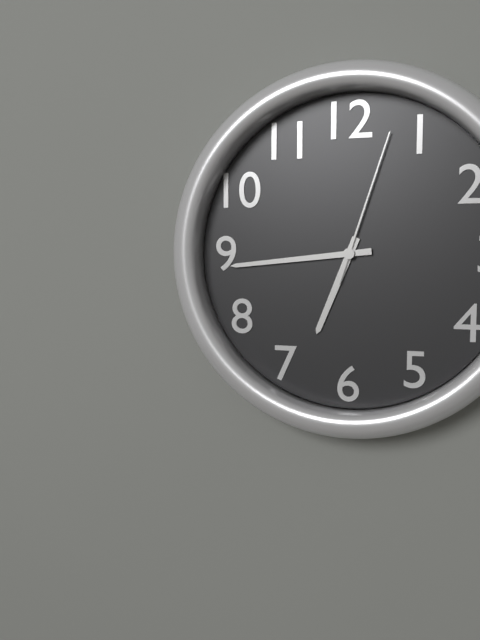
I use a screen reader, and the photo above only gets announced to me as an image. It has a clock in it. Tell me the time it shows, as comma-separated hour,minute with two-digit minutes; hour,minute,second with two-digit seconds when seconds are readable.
6,44,03
